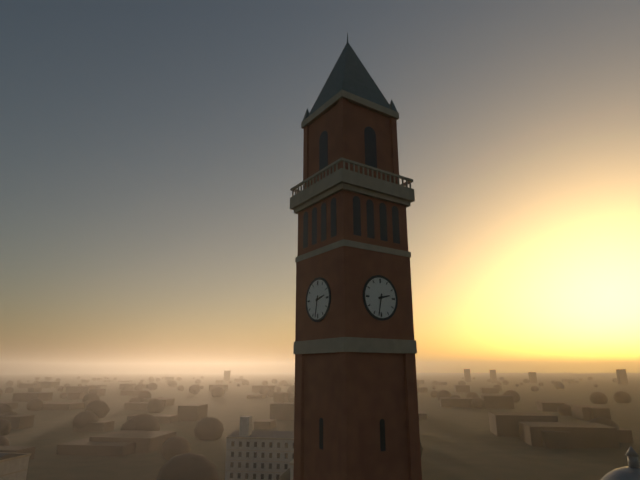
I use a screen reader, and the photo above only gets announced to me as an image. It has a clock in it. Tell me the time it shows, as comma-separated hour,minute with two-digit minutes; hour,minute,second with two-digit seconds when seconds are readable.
2,32
